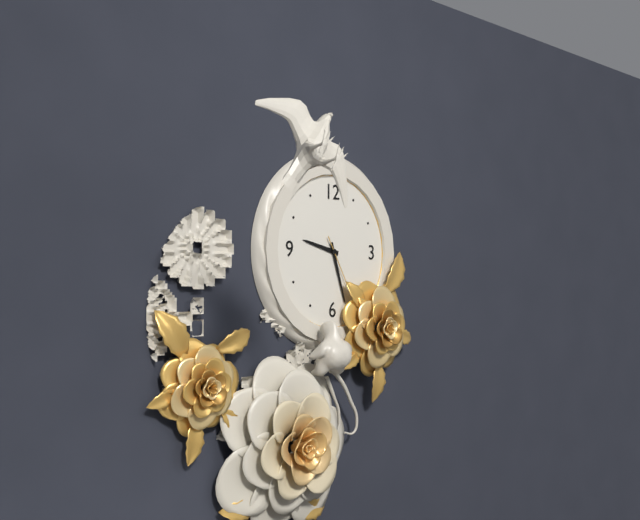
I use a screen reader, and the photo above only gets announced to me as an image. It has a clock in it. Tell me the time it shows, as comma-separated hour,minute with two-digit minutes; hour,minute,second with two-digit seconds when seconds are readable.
9,27
